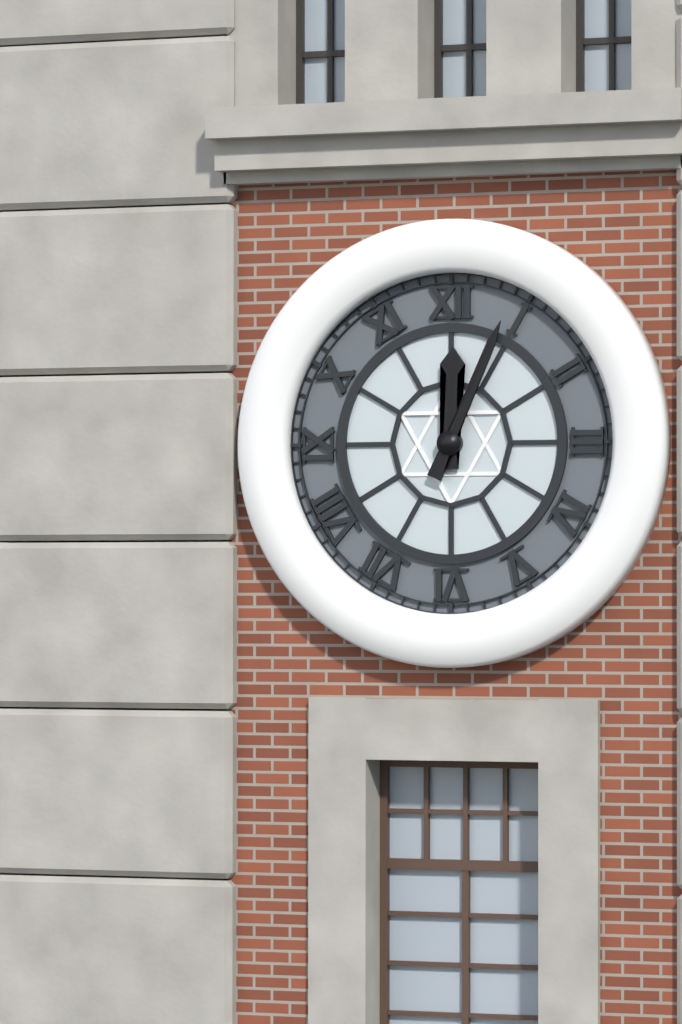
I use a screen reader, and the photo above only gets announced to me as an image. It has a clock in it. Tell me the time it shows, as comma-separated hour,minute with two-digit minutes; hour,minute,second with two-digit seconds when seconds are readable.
12,04
